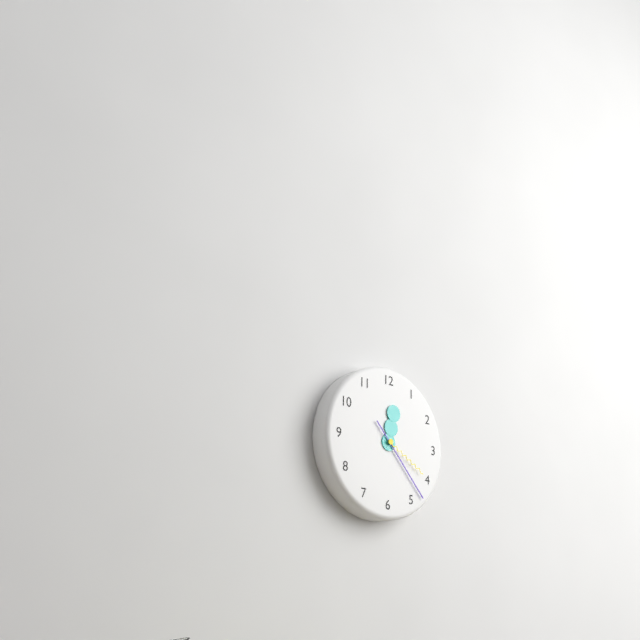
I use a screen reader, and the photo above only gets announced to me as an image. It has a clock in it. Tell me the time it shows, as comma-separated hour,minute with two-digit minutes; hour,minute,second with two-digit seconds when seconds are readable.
12,23,20
